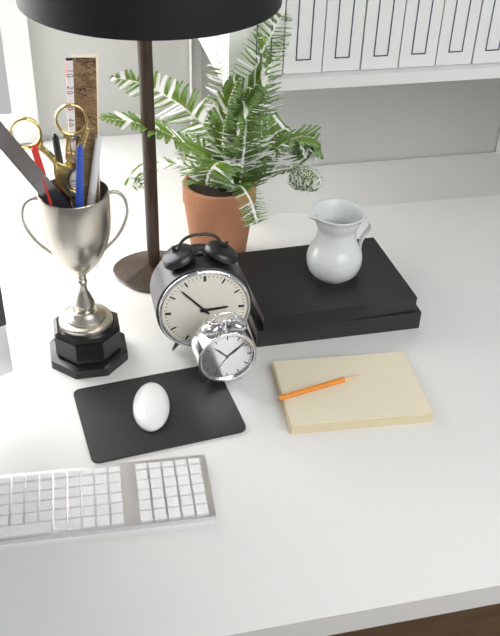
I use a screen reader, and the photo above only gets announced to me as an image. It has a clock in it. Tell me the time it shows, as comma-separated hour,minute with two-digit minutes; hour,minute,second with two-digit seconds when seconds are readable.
2,53
